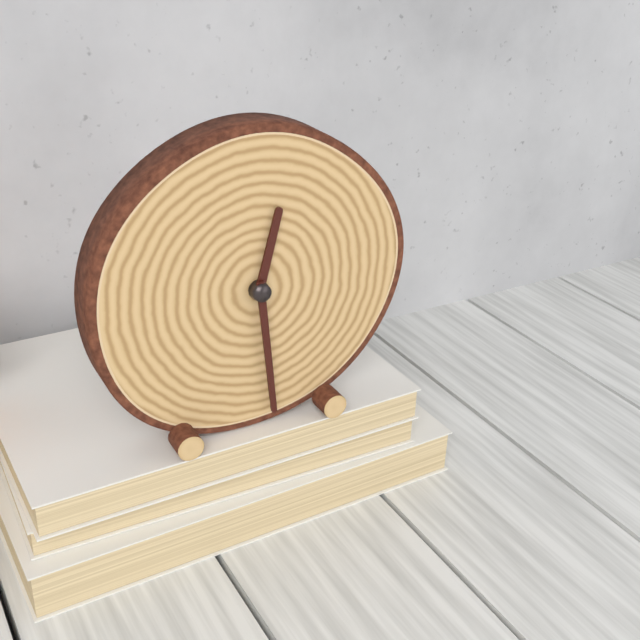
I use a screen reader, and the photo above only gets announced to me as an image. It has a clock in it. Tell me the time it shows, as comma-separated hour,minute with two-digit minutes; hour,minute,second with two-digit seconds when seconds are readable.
12,29
